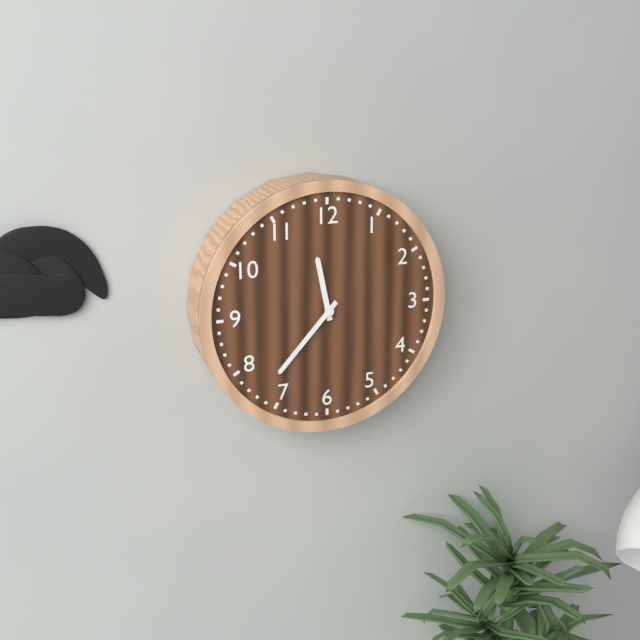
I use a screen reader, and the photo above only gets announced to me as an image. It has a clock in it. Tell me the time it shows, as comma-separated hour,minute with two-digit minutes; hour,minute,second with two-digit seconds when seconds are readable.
11,37
